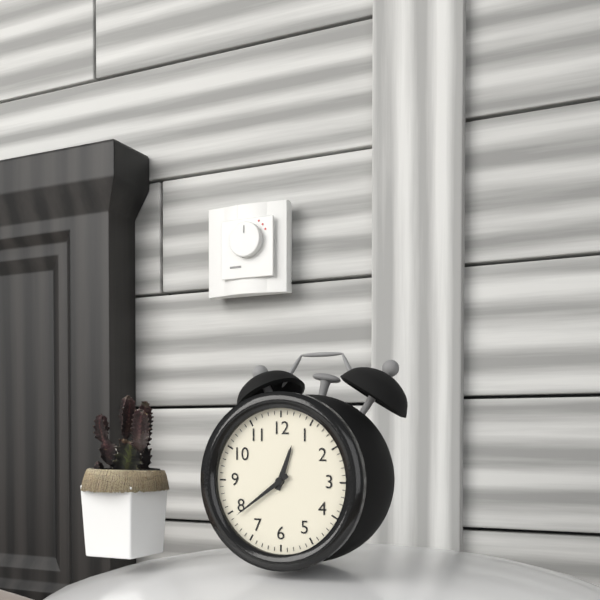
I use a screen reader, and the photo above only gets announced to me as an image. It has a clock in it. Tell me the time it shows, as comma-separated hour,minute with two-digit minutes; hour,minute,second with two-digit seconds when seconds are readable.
12,39
